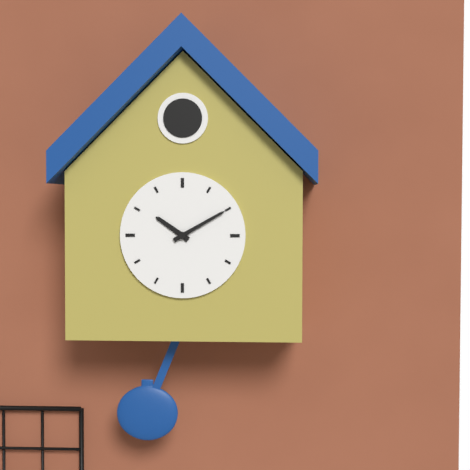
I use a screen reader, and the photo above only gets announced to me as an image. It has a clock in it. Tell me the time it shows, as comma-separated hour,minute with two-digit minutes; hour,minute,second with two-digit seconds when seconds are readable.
10,10
